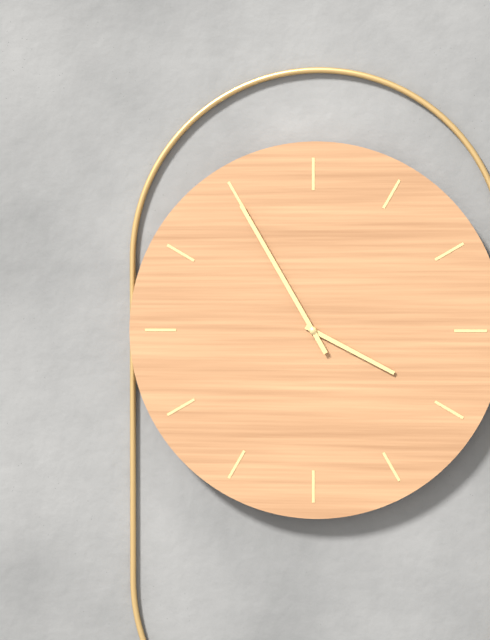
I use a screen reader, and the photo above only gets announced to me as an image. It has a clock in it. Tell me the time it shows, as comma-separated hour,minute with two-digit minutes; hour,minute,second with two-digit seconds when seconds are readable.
3,55
